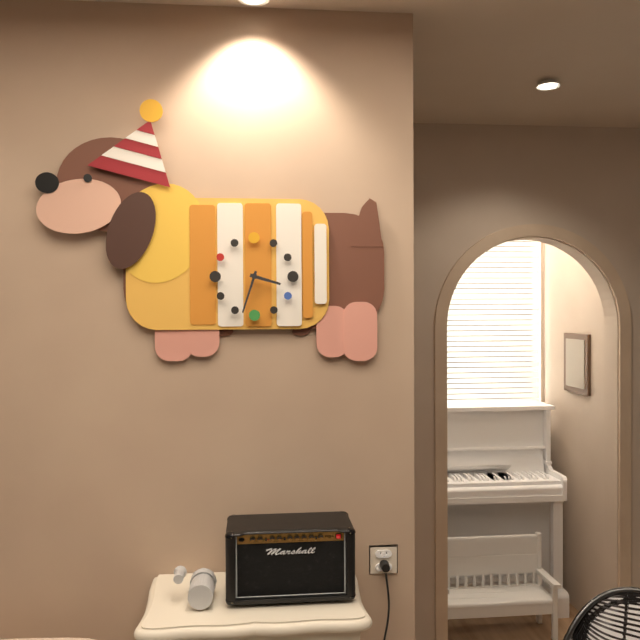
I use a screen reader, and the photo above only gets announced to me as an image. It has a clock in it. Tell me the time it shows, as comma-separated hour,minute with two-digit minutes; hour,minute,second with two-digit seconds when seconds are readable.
3,33
